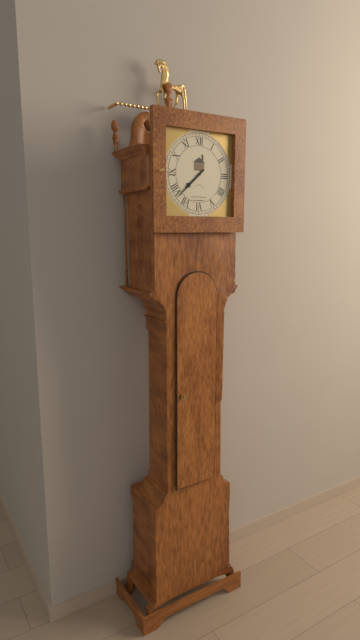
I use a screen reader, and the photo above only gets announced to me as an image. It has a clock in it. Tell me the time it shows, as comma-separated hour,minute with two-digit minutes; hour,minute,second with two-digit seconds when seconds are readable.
7,38
